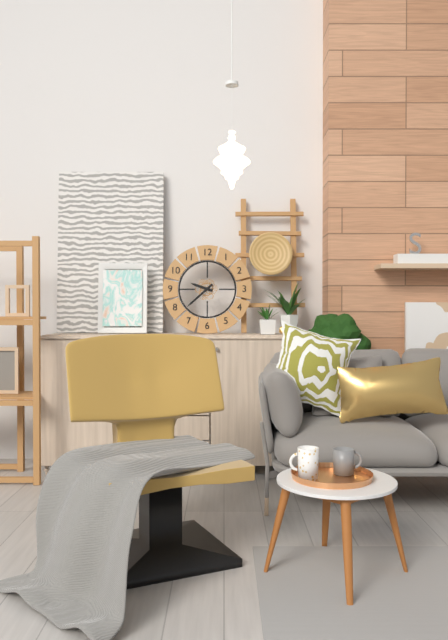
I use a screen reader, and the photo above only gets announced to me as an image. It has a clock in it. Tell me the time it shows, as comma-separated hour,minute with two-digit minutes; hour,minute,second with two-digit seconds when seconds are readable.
9,38
